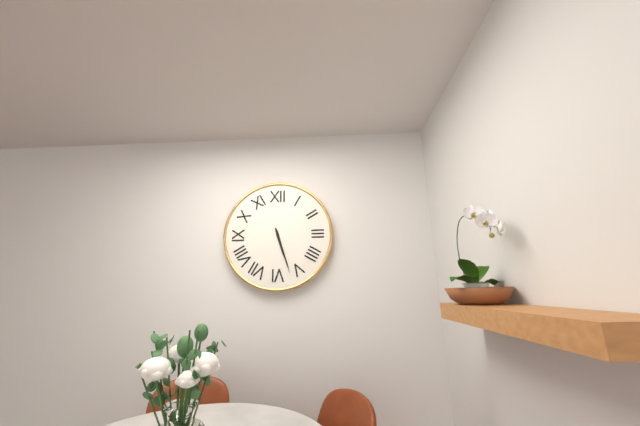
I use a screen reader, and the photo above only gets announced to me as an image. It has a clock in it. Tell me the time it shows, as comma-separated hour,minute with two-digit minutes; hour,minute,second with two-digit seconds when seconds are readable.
5,27
